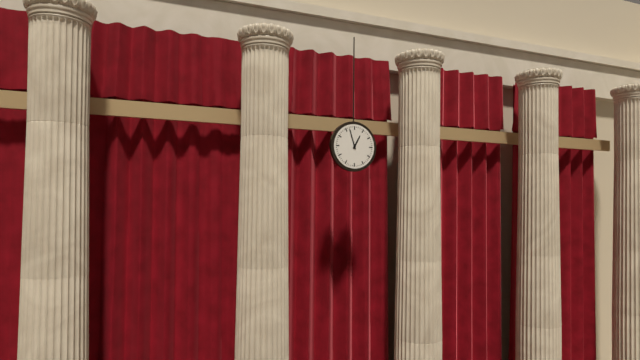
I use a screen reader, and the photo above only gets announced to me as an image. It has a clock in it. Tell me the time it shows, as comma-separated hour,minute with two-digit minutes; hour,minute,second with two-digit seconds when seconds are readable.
12,57
